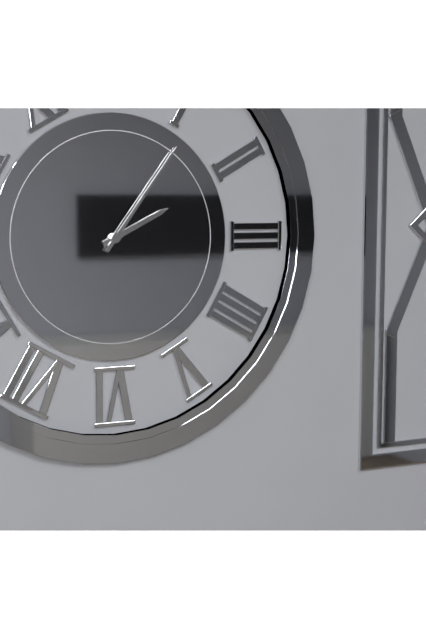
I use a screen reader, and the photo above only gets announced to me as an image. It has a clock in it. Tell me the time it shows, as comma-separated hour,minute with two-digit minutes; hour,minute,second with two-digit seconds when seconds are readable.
2,06
